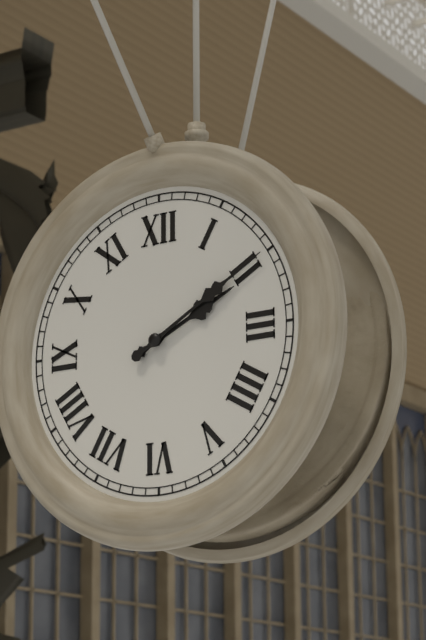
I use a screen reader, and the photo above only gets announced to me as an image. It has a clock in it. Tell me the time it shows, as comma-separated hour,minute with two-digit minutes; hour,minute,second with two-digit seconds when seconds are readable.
2,10
